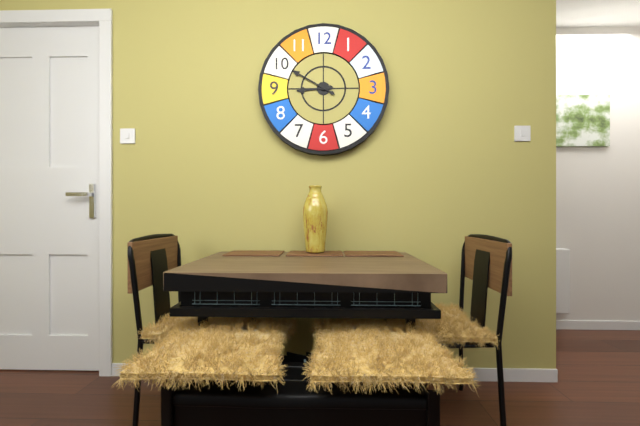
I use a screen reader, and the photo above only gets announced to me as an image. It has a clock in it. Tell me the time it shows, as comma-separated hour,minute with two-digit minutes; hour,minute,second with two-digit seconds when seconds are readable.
8,50
